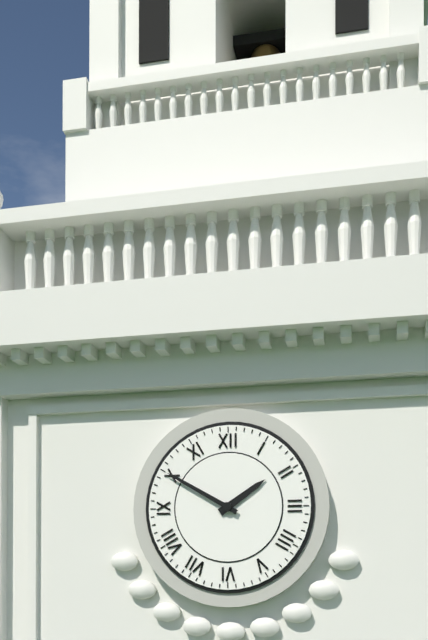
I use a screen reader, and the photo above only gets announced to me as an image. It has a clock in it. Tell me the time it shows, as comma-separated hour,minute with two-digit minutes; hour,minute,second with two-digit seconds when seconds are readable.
1,50
